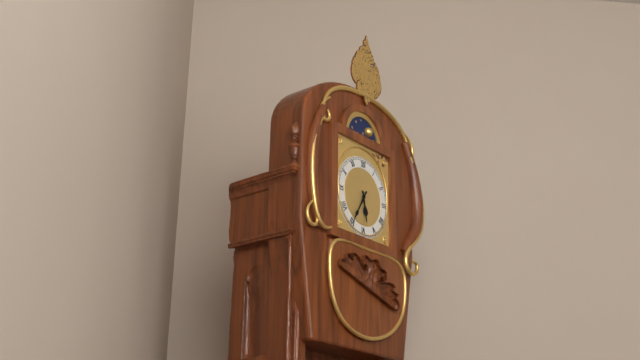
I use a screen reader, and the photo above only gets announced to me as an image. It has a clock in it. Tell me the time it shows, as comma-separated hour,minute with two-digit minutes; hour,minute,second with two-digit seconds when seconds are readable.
5,35
